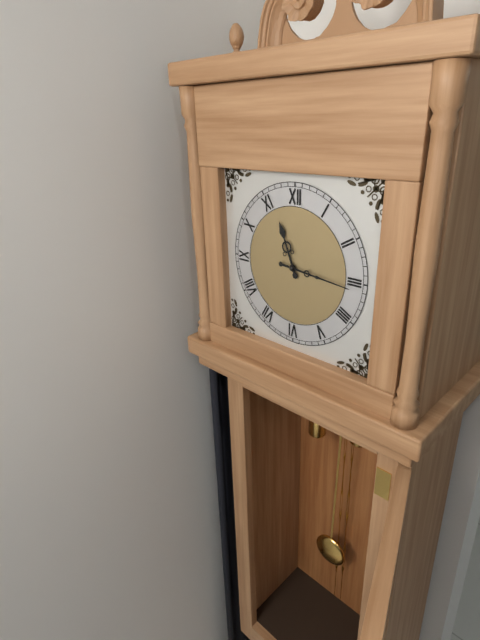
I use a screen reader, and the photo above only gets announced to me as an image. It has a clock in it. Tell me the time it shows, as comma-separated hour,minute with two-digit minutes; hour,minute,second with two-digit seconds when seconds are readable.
11,16
